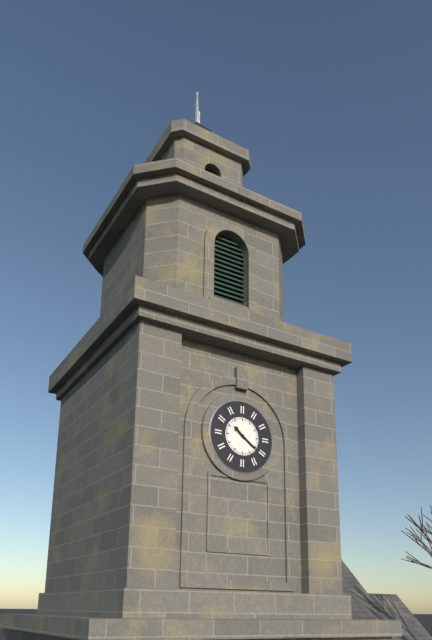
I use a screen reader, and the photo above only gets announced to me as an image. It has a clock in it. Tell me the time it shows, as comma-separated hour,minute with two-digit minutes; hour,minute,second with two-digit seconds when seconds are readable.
10,21
